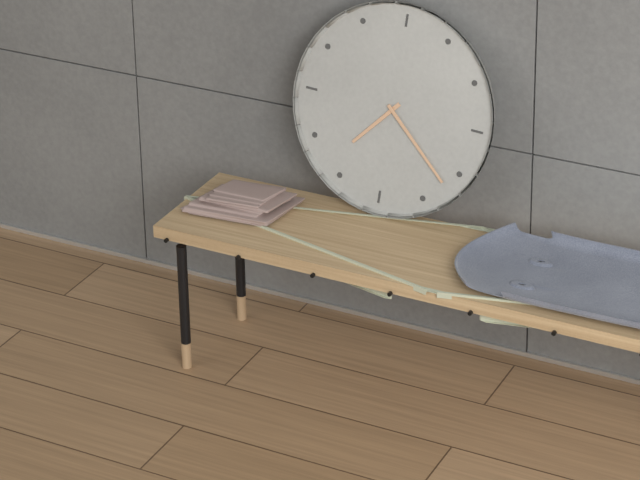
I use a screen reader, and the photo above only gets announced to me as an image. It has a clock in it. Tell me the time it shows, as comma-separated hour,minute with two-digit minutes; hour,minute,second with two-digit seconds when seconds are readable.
7,22
